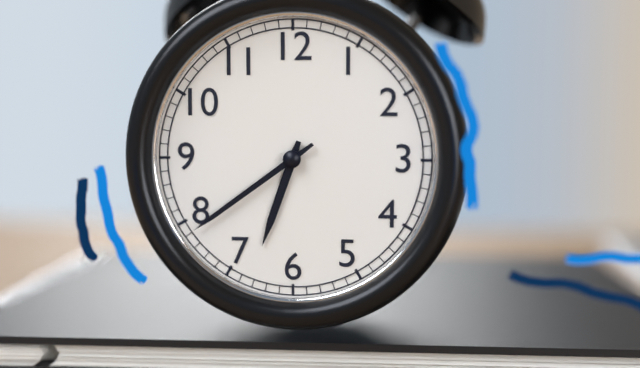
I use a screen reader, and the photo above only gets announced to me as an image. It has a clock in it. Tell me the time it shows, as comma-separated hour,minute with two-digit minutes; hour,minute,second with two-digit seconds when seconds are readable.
6,39
